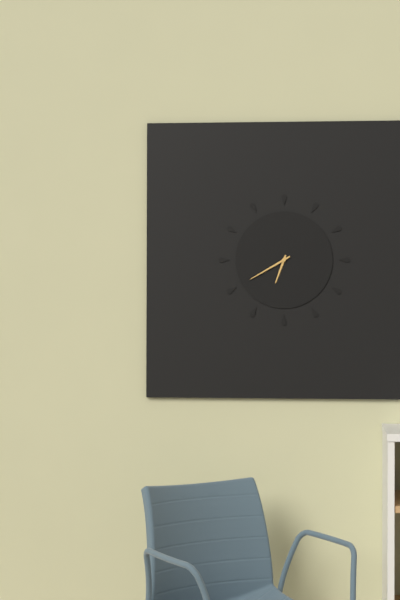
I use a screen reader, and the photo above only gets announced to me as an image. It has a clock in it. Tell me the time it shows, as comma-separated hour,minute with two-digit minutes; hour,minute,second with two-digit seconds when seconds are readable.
6,40
